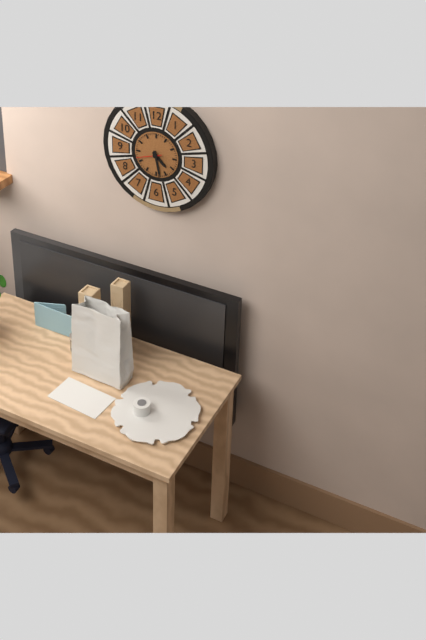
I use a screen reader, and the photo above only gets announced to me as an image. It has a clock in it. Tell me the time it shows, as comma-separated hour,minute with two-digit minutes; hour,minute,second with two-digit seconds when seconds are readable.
4,28
